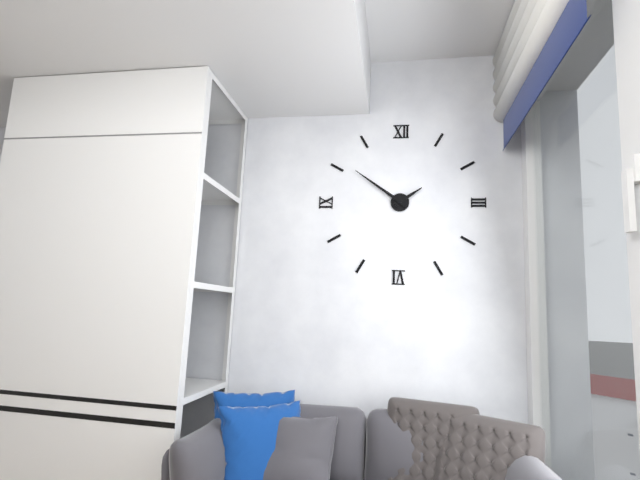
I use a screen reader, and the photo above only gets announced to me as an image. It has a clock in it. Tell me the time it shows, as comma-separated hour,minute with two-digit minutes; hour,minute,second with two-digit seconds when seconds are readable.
1,51
